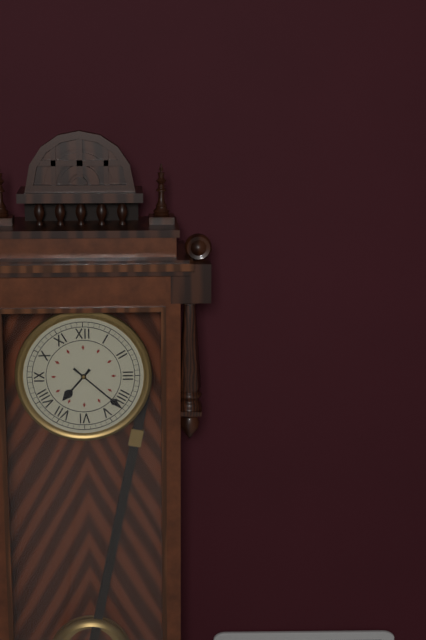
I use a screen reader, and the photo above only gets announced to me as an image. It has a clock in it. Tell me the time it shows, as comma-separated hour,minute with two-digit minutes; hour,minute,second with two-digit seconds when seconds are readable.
7,22
